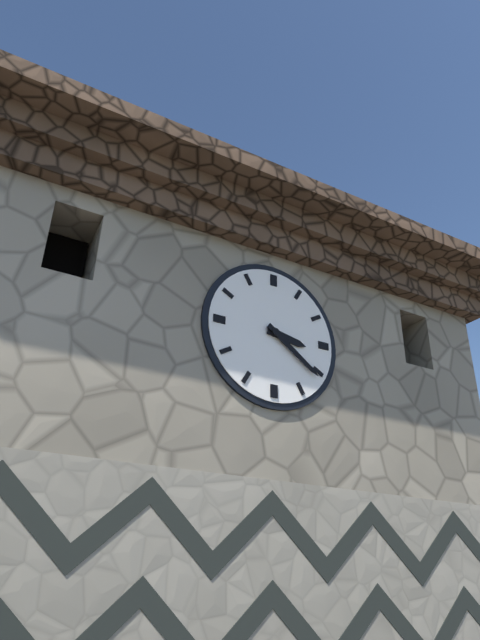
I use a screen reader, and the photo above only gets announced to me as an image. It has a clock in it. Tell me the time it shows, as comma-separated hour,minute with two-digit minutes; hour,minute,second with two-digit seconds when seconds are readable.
3,21
